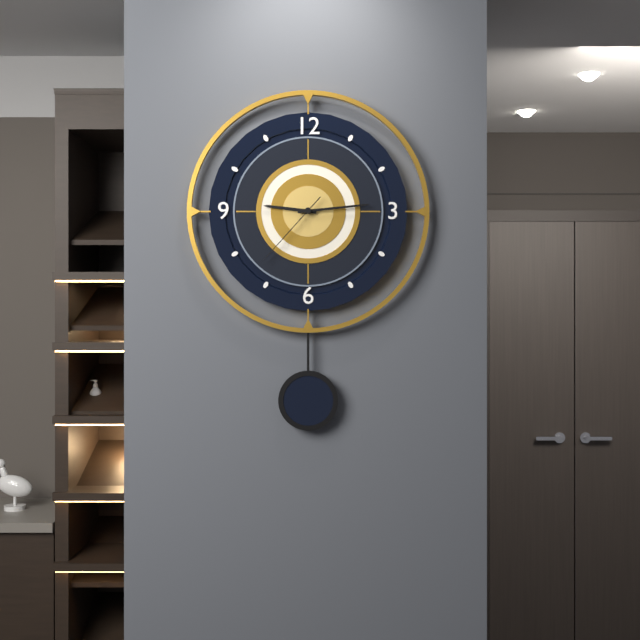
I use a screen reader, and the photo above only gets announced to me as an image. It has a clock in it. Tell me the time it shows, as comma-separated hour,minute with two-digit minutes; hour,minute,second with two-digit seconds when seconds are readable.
9,14,37
